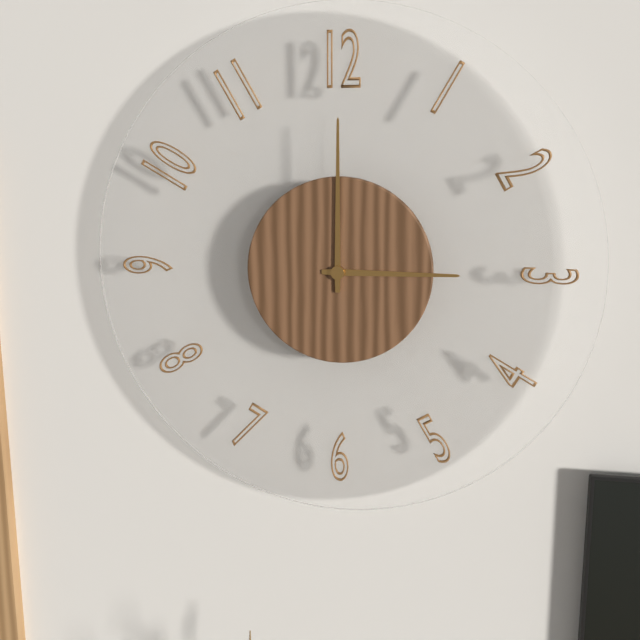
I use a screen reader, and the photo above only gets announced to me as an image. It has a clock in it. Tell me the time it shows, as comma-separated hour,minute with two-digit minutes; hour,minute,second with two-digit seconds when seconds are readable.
3,00
